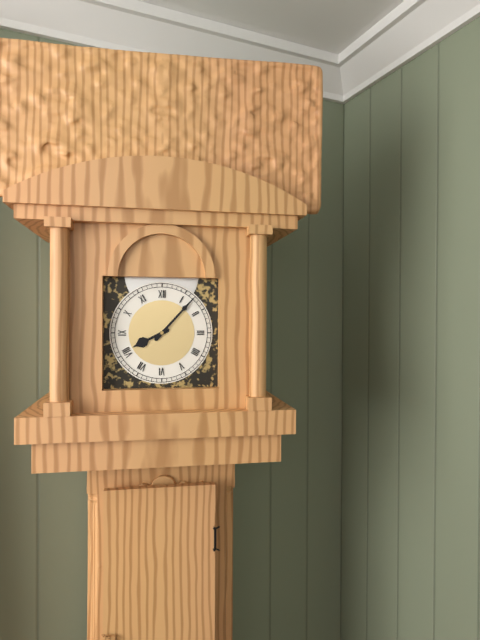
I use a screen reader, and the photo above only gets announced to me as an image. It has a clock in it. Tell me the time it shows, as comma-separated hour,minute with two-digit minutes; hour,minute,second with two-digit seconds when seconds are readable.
8,07
